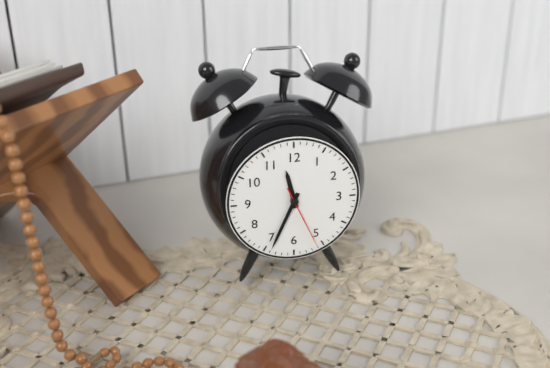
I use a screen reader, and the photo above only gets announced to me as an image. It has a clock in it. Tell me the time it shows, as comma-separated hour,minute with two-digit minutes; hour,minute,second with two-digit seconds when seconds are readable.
11,34,26
